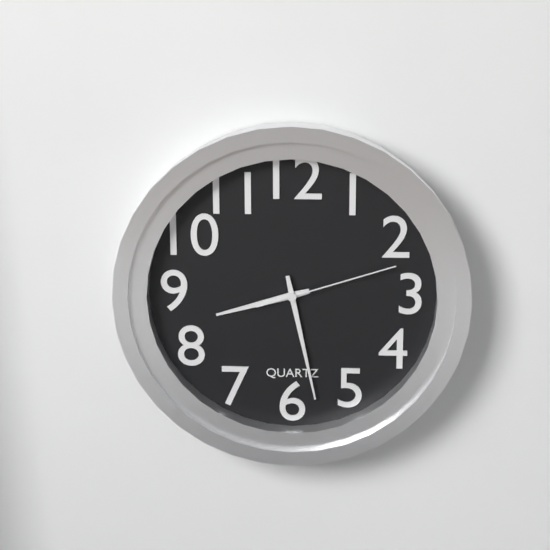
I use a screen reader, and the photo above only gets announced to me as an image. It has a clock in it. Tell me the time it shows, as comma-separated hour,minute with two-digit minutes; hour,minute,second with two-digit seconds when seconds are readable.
8,28,12
